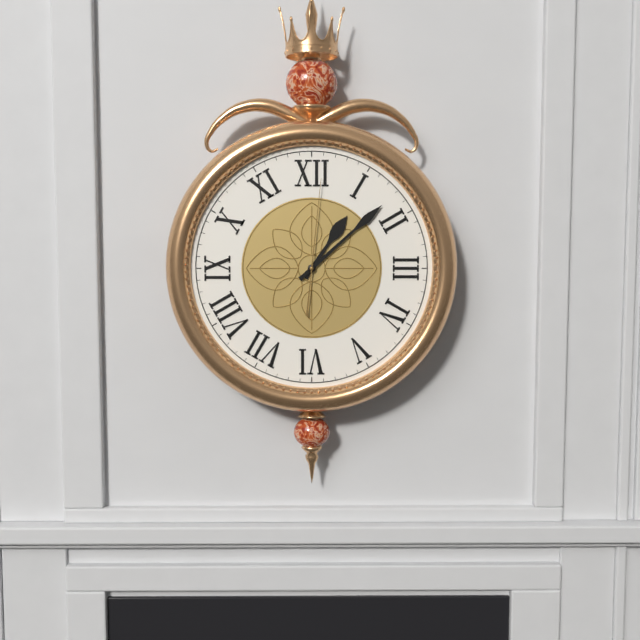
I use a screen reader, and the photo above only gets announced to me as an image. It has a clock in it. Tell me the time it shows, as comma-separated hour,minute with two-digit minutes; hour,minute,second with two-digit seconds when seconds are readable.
1,08,01
